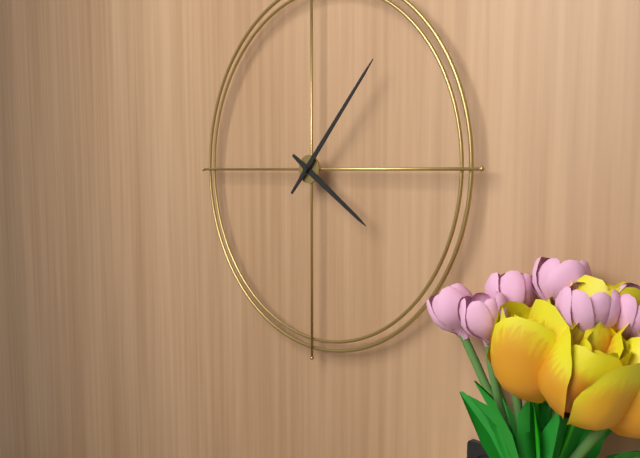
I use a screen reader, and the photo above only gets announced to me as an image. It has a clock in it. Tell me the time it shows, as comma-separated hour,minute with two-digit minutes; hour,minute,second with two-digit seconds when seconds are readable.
4,07
